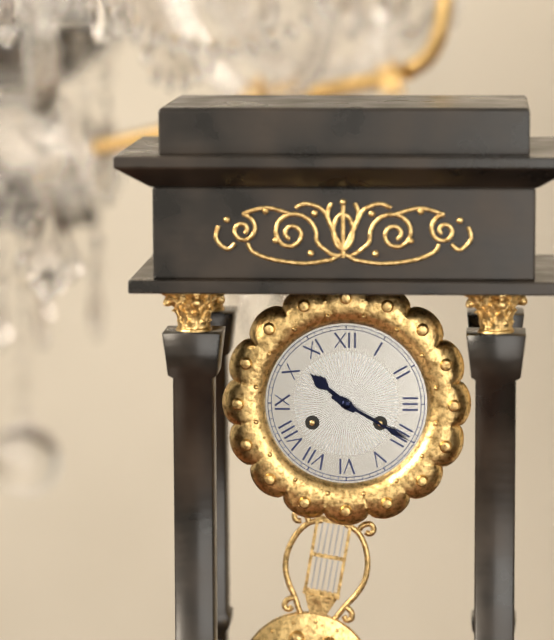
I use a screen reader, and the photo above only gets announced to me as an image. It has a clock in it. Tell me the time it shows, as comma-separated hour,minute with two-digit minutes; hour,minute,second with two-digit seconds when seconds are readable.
10,20
